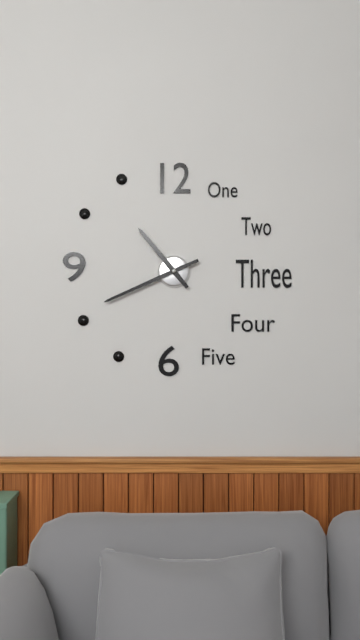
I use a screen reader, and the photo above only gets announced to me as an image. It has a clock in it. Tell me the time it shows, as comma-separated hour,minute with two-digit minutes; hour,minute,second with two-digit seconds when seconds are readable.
10,41
